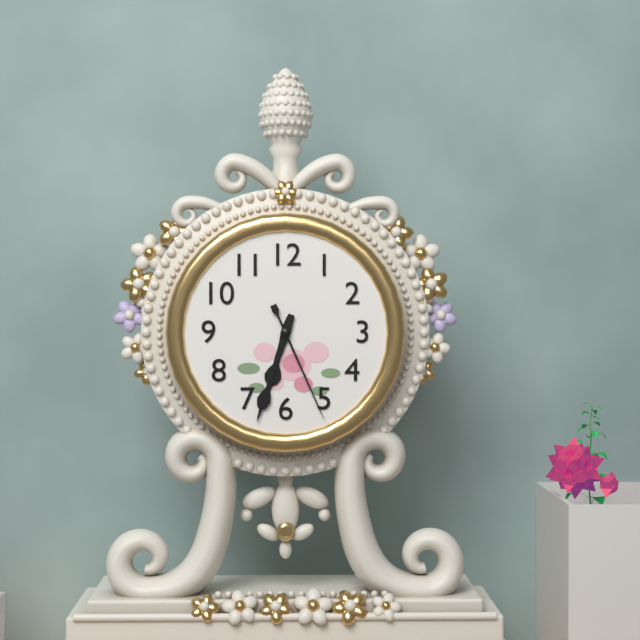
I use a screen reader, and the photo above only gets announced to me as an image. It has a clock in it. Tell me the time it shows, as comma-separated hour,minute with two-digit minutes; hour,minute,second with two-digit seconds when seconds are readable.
6,33,26
